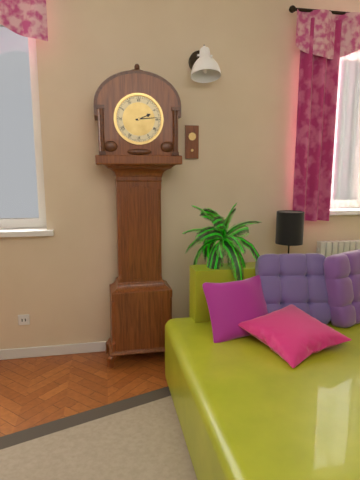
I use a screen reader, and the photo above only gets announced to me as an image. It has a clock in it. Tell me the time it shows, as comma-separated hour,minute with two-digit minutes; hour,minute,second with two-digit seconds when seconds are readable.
2,14
